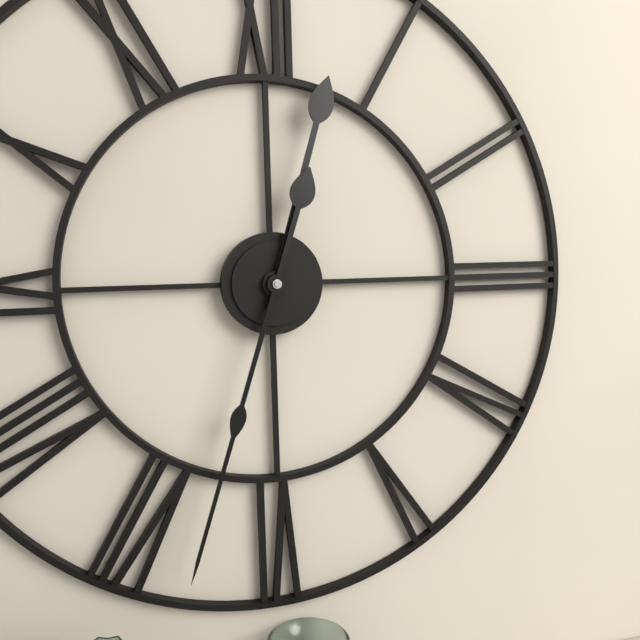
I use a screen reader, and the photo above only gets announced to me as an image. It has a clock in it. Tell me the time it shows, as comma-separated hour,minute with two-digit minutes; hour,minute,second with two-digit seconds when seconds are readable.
12,33
